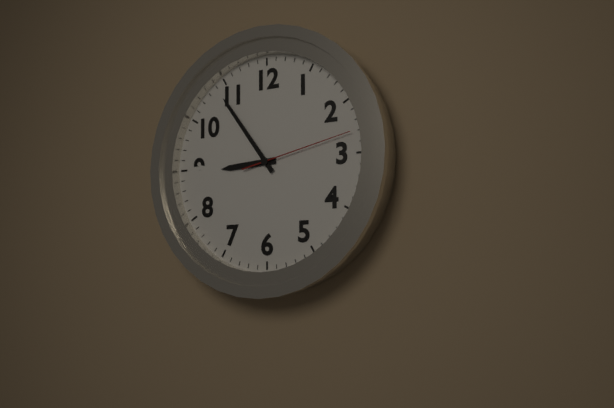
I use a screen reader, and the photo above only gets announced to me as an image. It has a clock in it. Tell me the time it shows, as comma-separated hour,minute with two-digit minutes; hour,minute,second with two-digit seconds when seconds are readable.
8,54,13
